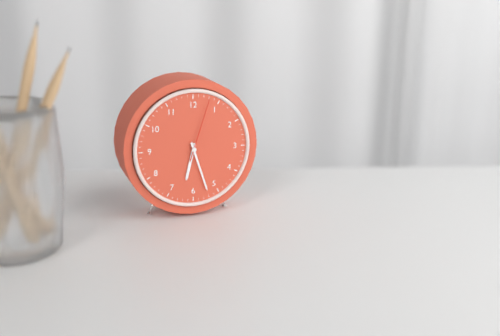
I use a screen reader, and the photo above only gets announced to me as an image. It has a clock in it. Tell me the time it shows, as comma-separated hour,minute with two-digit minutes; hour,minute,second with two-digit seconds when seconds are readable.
6,27,03
